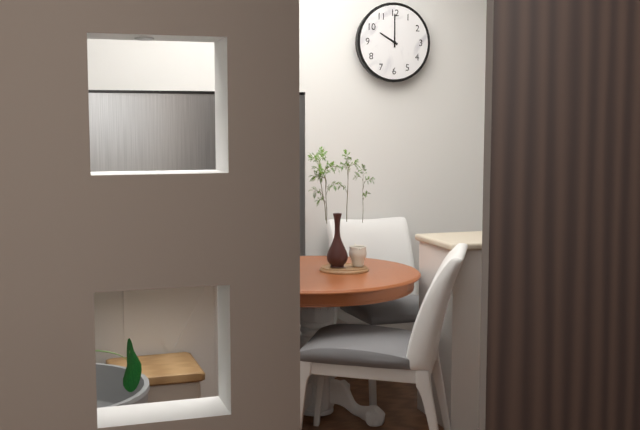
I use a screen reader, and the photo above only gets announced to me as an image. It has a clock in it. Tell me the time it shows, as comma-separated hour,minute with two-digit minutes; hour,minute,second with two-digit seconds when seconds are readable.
10,00
